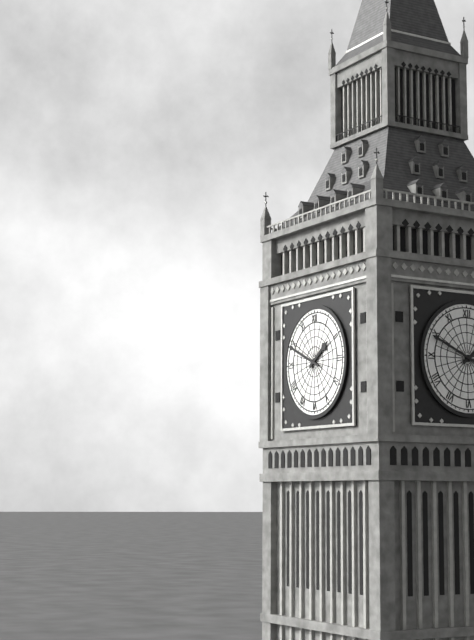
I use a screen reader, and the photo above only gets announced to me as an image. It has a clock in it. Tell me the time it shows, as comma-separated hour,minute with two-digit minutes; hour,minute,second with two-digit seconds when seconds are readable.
1,49
